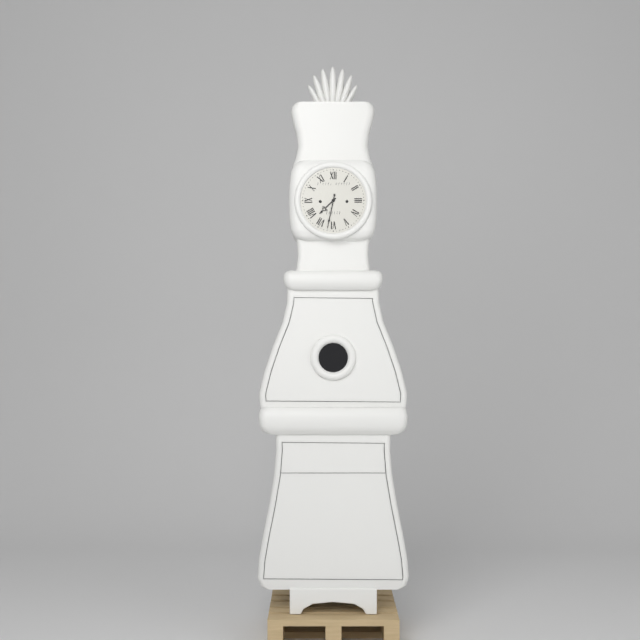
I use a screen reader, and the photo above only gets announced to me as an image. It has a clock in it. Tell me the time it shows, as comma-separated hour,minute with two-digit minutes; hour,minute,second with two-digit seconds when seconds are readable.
7,32
